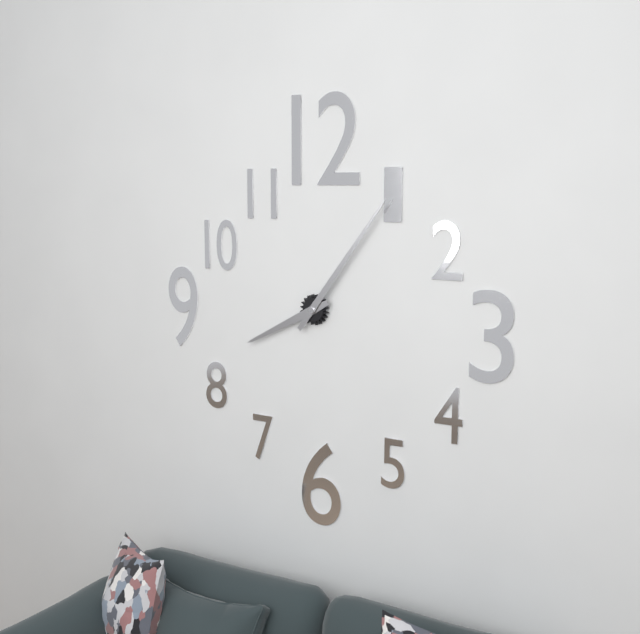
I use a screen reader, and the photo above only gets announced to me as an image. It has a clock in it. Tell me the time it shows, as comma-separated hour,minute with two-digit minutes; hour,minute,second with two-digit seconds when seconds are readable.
8,06
